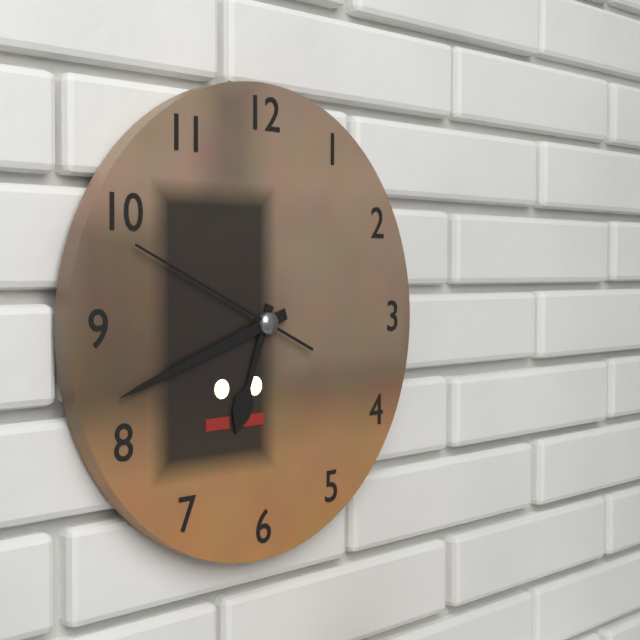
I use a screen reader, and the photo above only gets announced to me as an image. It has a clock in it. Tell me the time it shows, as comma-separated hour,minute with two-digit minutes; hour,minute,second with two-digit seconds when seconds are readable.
6,42,49
